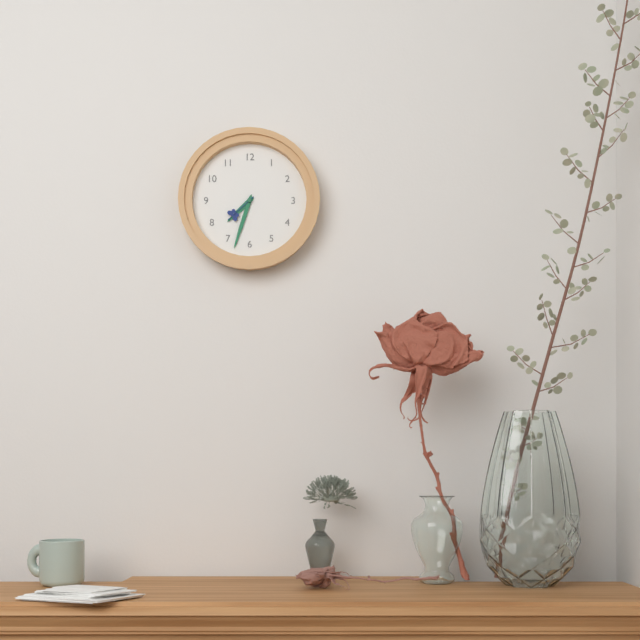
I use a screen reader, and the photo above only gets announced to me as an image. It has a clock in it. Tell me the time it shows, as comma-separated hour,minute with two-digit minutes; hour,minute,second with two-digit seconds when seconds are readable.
7,33
